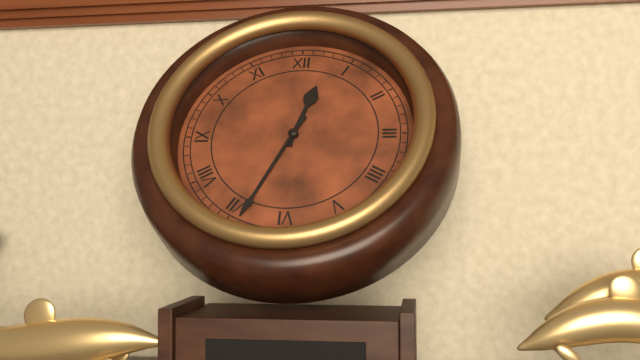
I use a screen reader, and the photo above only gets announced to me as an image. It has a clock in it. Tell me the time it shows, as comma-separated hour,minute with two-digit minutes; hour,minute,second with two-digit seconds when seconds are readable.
12,34
